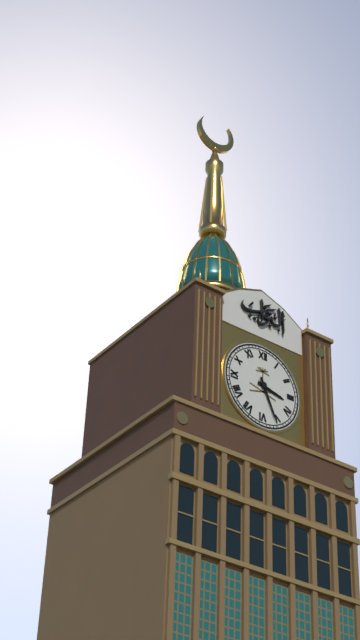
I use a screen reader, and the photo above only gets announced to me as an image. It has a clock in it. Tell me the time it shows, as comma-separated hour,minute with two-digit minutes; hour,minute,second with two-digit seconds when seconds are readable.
3,26
